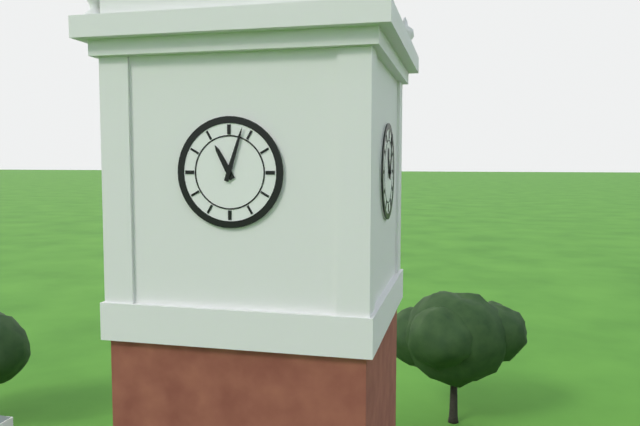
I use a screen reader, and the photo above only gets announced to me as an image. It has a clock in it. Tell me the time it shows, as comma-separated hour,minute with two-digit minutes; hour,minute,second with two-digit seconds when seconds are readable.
11,03
